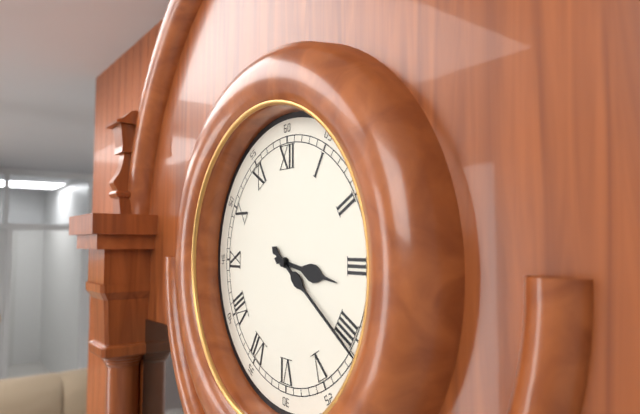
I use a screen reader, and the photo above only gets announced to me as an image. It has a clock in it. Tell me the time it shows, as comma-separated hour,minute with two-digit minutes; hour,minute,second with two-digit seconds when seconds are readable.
3,21
